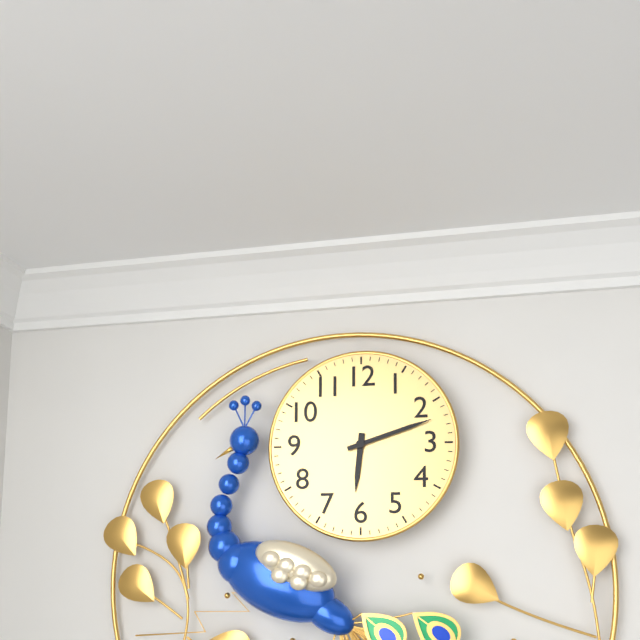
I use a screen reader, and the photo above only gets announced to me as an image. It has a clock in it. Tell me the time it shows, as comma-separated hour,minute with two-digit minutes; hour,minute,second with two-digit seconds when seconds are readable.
6,12
